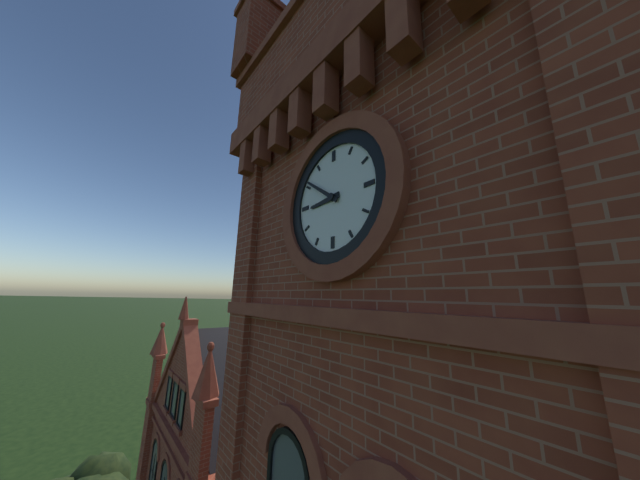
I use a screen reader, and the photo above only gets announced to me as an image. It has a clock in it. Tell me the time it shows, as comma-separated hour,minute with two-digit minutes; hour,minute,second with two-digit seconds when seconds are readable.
8,51
